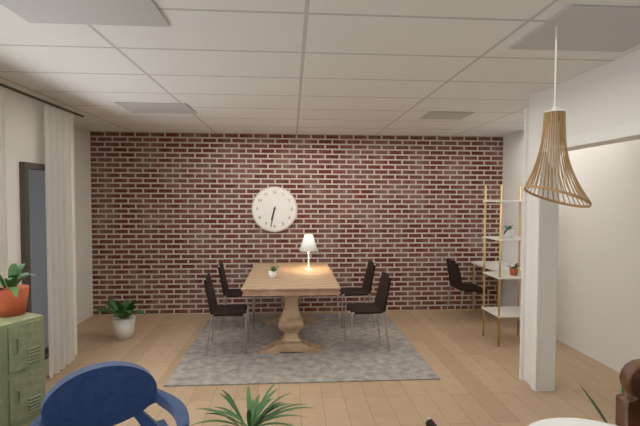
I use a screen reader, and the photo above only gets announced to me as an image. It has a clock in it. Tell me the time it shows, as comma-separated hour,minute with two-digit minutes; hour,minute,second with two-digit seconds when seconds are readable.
6,32
